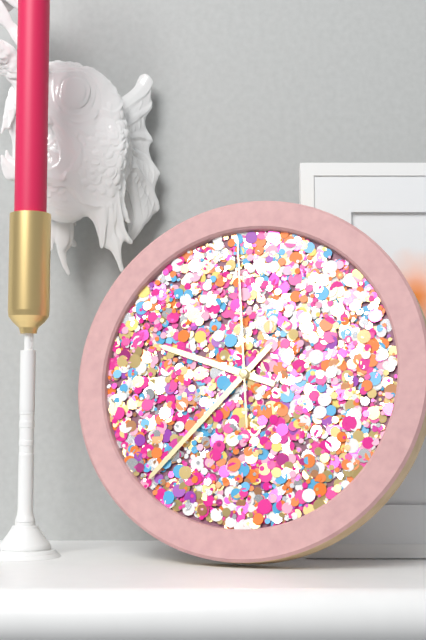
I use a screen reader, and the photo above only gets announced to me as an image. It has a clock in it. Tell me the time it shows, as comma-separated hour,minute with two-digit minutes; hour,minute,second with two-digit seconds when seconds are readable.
9,37,59
